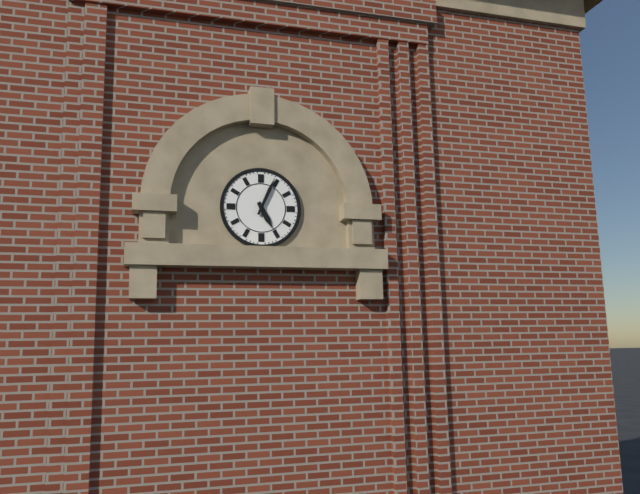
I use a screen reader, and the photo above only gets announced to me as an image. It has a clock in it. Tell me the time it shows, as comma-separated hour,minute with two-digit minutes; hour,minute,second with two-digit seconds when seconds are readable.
5,04
